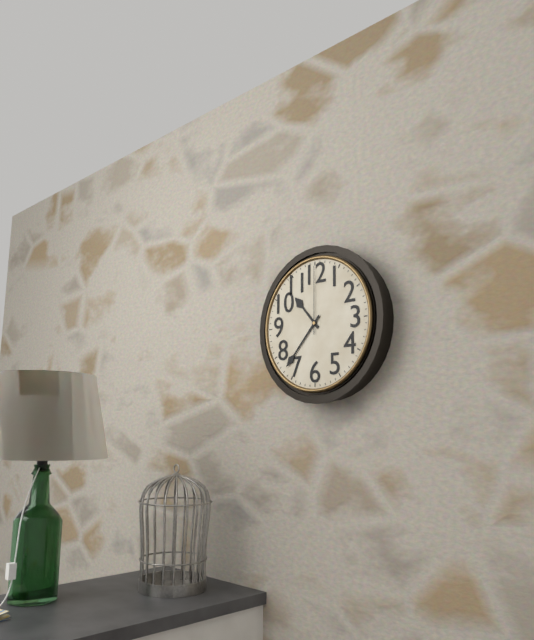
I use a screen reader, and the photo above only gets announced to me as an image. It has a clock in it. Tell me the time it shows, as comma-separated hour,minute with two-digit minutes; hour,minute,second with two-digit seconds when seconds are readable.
10,37,00
